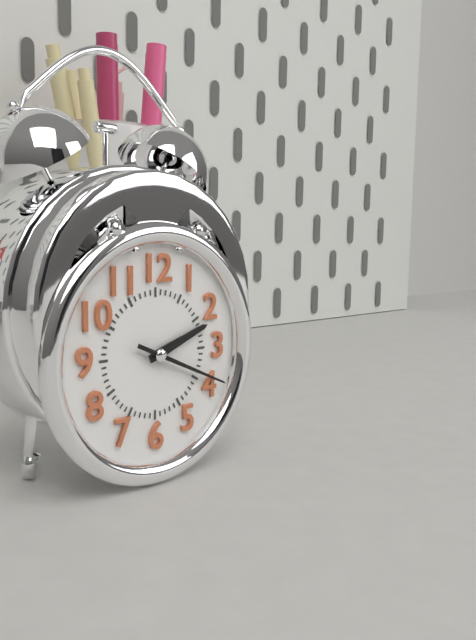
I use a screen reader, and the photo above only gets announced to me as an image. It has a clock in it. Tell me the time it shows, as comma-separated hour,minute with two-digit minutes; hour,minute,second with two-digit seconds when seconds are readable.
2,19
